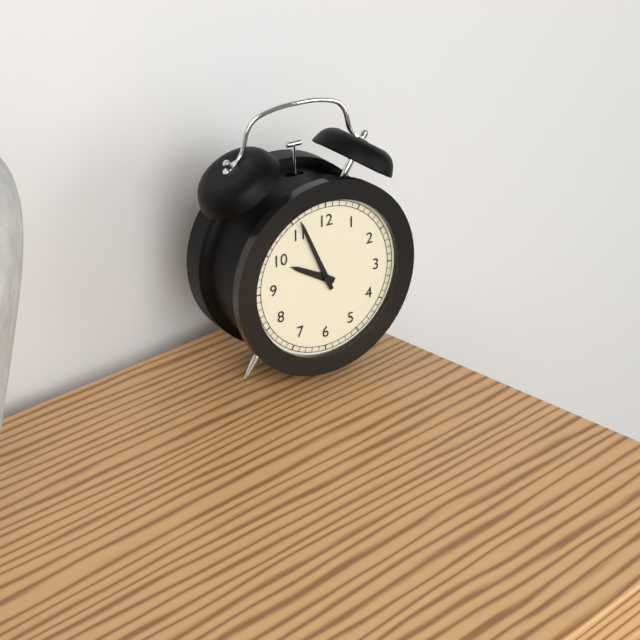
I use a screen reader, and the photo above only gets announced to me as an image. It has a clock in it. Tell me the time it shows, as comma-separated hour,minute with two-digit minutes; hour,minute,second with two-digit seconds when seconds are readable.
9,56
